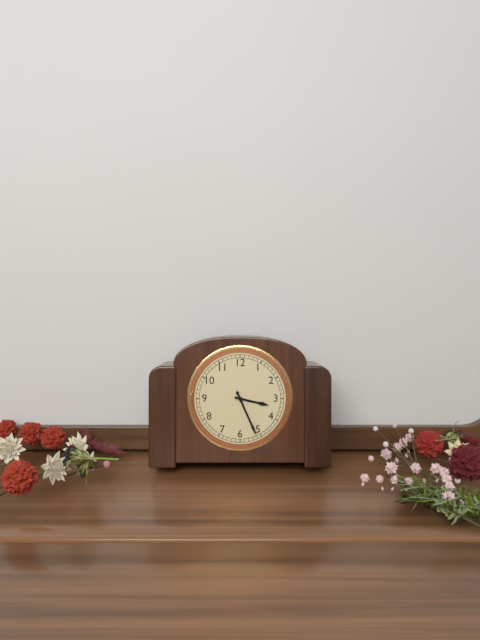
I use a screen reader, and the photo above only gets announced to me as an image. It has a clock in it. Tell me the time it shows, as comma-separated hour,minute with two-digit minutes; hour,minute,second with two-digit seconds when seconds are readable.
3,26
